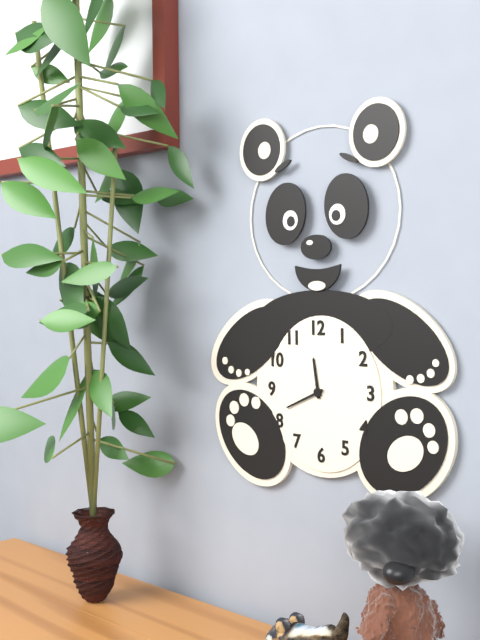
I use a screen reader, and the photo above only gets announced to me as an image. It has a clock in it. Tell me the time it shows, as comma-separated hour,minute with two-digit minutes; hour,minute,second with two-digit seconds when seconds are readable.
11,41
